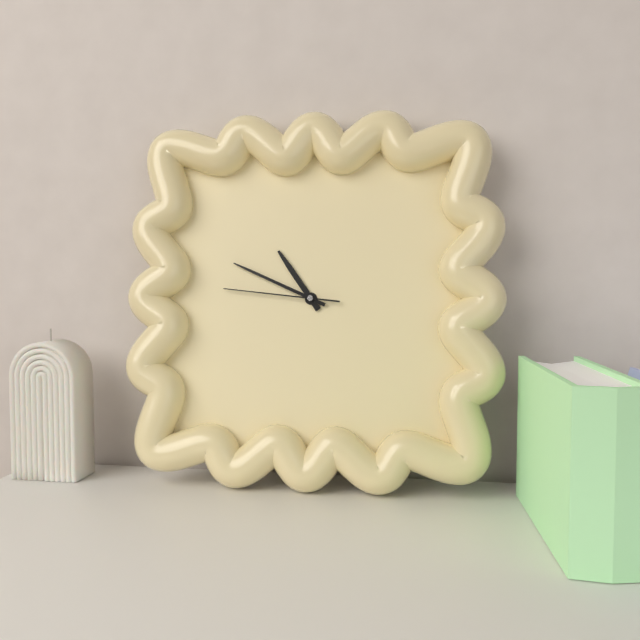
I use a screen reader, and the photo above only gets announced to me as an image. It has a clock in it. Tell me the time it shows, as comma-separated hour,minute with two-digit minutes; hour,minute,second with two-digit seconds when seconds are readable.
10,49,46
